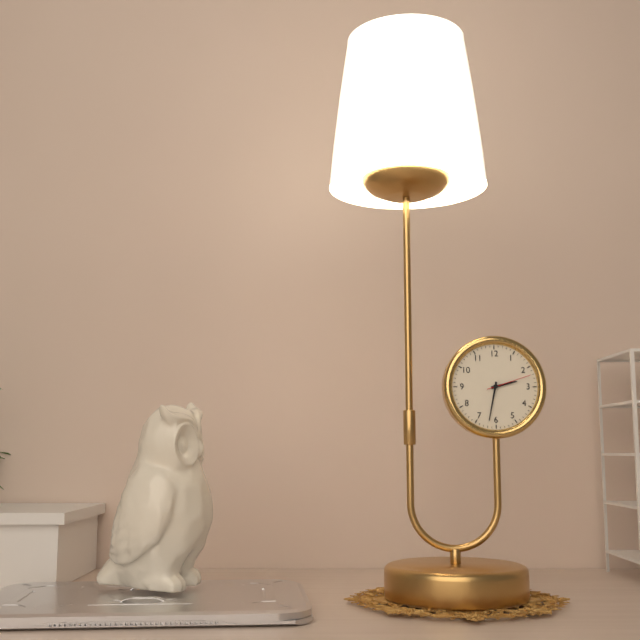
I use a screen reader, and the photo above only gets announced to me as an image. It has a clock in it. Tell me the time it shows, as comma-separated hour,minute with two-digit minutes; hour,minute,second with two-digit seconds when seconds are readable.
2,32,12
